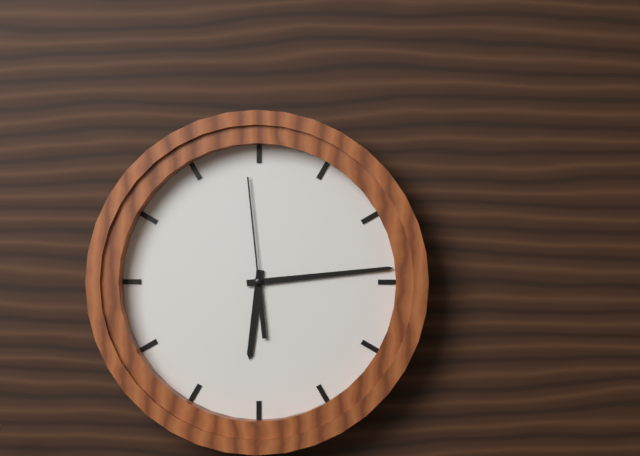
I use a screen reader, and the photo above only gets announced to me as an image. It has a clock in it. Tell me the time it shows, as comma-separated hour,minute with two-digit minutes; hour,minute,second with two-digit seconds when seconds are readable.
6,14,59
